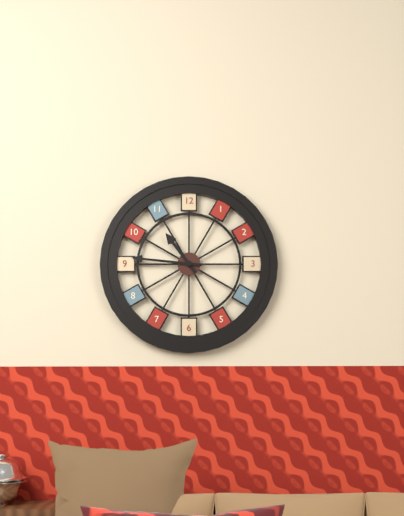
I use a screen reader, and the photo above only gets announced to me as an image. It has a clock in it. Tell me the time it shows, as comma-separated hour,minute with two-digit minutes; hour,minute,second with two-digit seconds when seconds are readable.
10,46
